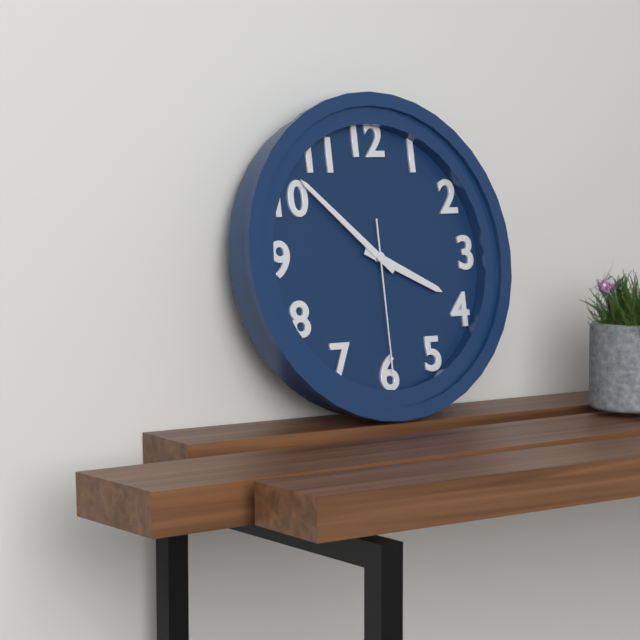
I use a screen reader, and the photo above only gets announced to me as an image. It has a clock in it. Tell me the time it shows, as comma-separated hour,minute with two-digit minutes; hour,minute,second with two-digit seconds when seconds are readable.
3,52,30
